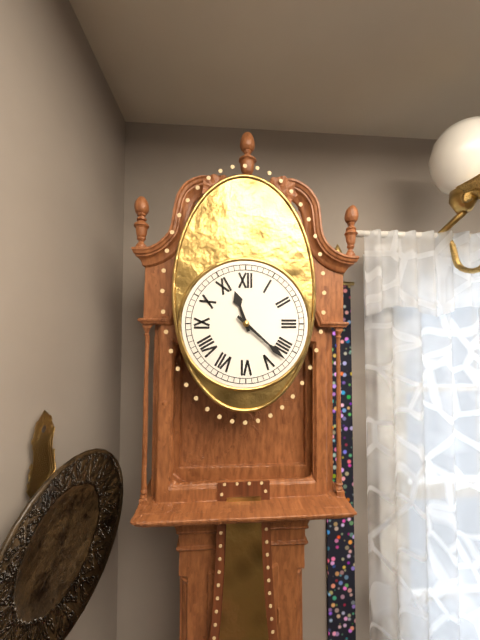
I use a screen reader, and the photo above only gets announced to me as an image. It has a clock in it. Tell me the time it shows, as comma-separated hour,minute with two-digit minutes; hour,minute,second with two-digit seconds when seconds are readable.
11,22
